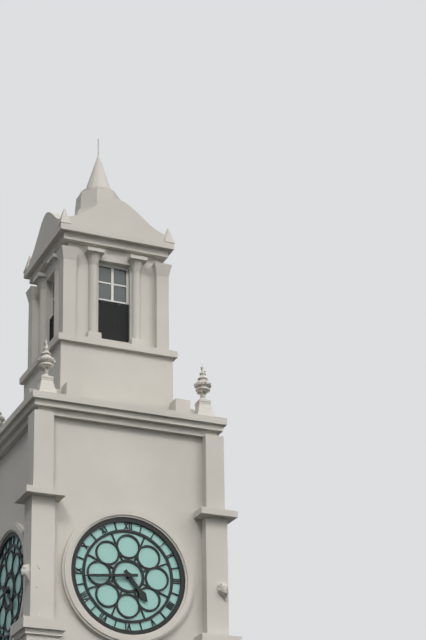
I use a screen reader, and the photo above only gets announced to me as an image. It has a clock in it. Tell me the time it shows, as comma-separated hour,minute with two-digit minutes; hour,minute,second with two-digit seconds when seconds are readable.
4,44
